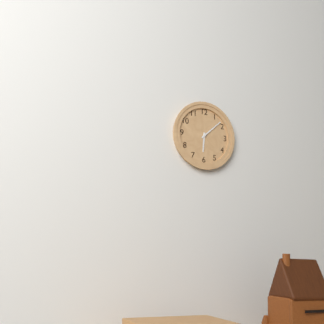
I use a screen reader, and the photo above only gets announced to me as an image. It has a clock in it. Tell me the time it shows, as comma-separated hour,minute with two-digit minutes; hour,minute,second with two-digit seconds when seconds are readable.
6,08
